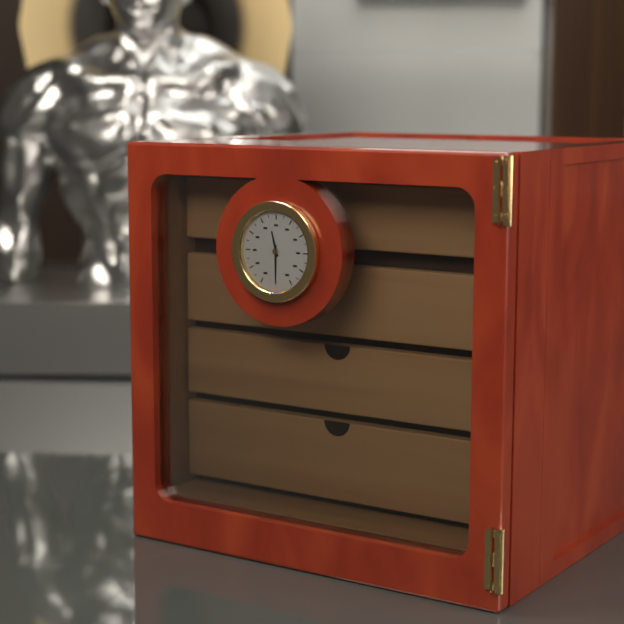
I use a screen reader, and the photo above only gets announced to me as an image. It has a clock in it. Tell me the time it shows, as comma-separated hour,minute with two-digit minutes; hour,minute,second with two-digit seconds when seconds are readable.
11,30
